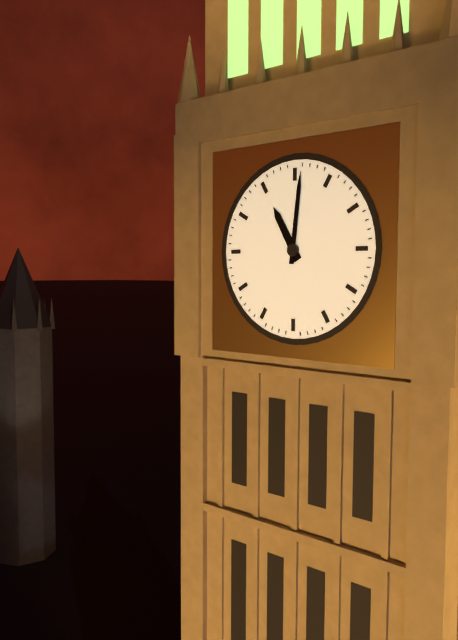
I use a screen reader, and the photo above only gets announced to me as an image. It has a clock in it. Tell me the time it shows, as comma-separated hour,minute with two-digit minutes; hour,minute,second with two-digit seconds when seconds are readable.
11,01
